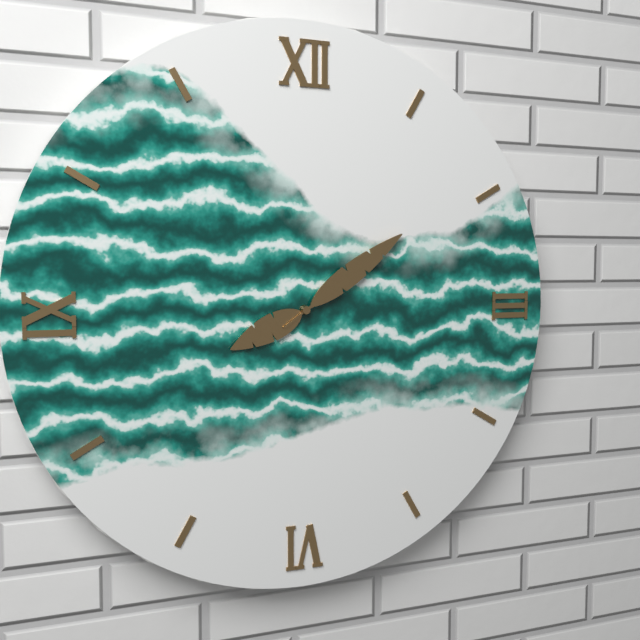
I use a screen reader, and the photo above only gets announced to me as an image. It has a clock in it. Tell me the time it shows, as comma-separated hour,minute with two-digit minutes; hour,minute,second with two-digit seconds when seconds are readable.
8,09
